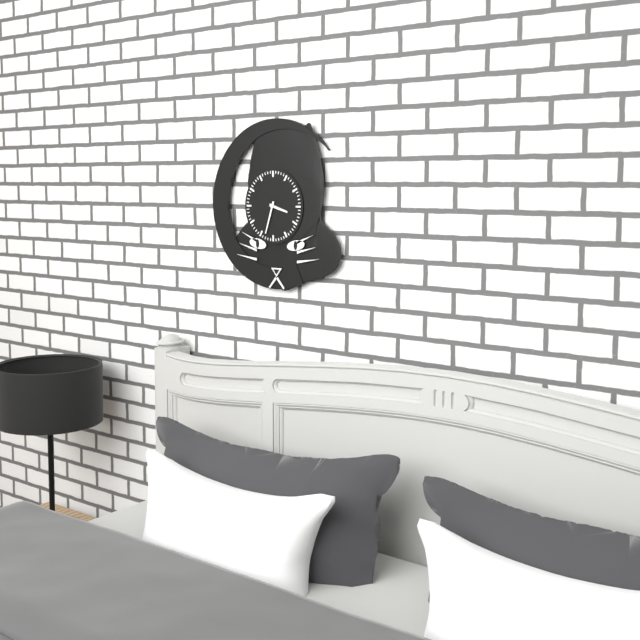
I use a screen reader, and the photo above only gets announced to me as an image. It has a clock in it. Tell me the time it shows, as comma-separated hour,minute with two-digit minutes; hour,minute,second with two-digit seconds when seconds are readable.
3,33
